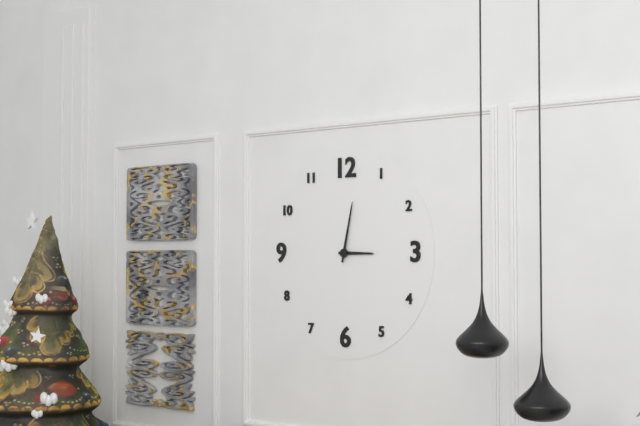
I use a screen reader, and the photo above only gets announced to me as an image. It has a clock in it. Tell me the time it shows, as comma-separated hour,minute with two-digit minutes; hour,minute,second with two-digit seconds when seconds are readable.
3,02
